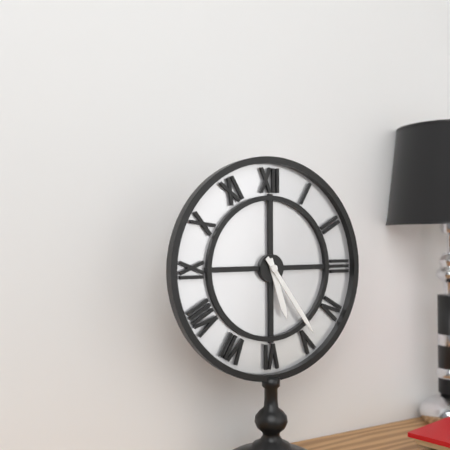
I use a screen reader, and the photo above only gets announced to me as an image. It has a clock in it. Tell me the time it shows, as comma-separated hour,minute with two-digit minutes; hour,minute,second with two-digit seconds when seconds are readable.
5,24
